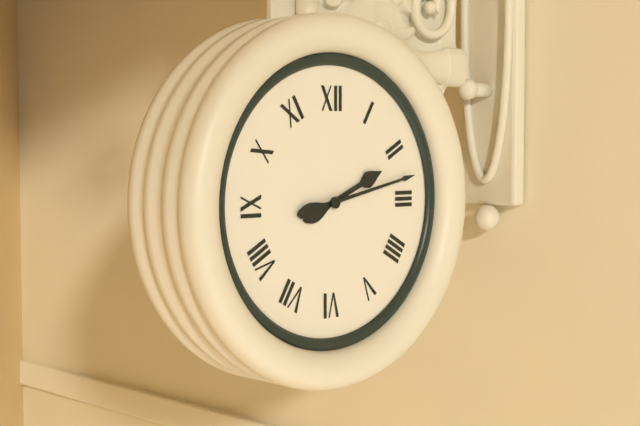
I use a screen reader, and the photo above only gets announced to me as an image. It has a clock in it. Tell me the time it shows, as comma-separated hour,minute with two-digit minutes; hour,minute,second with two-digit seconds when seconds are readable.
2,13
